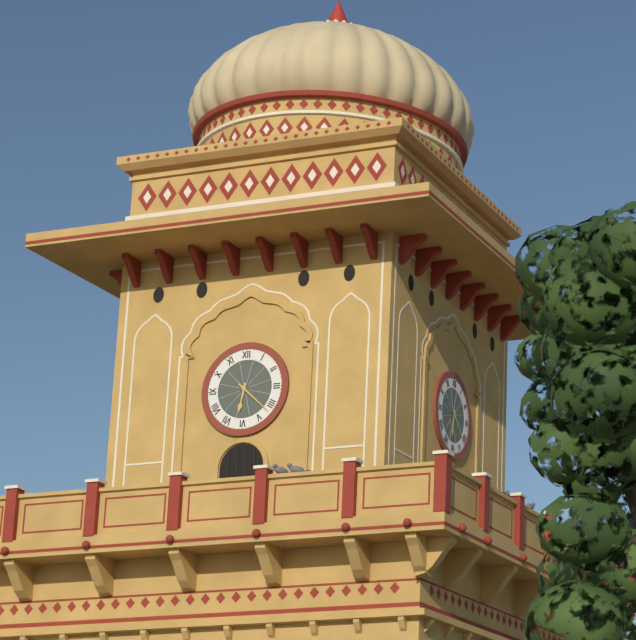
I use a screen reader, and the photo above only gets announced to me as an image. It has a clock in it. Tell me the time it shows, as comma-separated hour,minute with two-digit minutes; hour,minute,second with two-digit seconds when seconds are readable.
6,22
